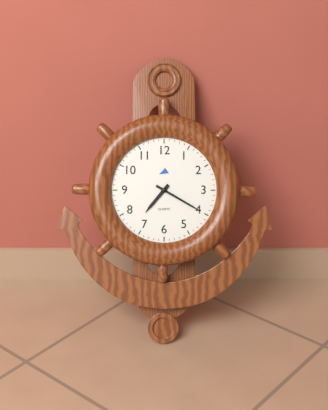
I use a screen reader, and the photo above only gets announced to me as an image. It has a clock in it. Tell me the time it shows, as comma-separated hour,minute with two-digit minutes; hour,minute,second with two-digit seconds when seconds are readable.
7,20
